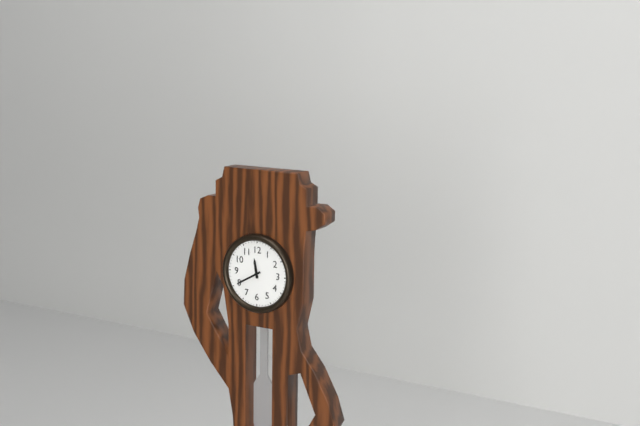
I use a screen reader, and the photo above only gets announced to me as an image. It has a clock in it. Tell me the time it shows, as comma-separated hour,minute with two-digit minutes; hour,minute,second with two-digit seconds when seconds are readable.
11,40
